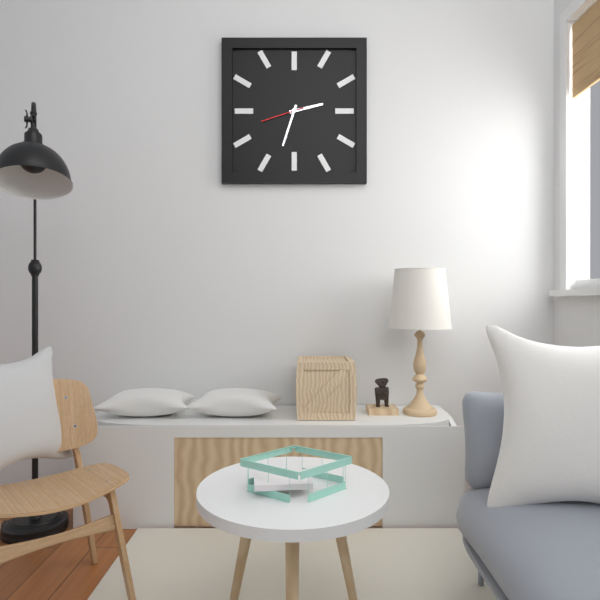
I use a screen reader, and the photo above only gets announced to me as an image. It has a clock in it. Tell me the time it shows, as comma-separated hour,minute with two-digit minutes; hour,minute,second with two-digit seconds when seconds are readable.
2,33
